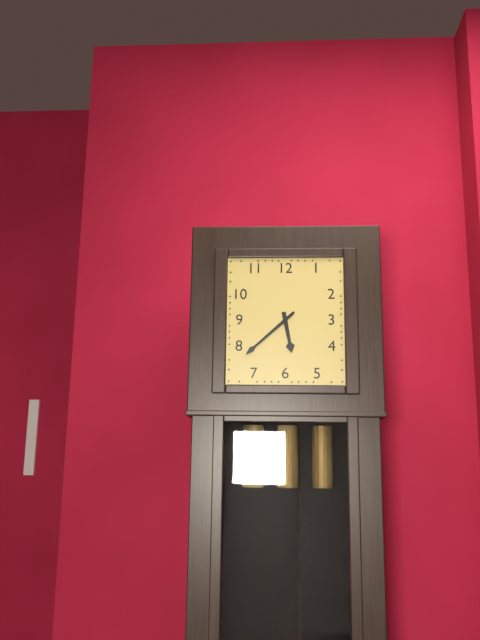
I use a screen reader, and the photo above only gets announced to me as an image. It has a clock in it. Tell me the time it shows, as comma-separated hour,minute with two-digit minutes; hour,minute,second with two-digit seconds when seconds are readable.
5,38
